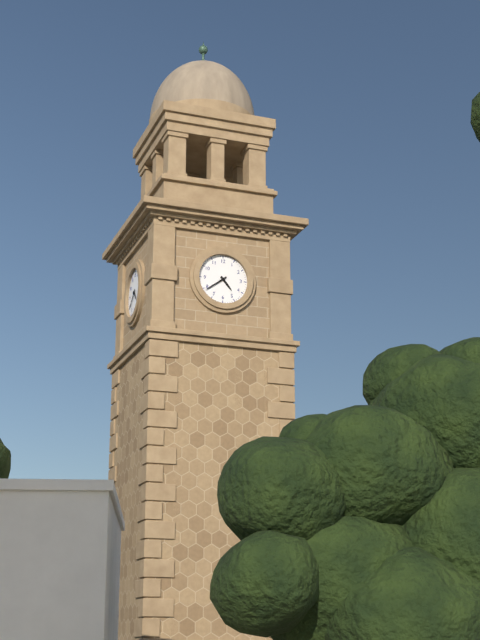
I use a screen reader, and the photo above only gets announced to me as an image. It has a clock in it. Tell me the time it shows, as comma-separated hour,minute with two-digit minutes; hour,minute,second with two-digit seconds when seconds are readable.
4,39
